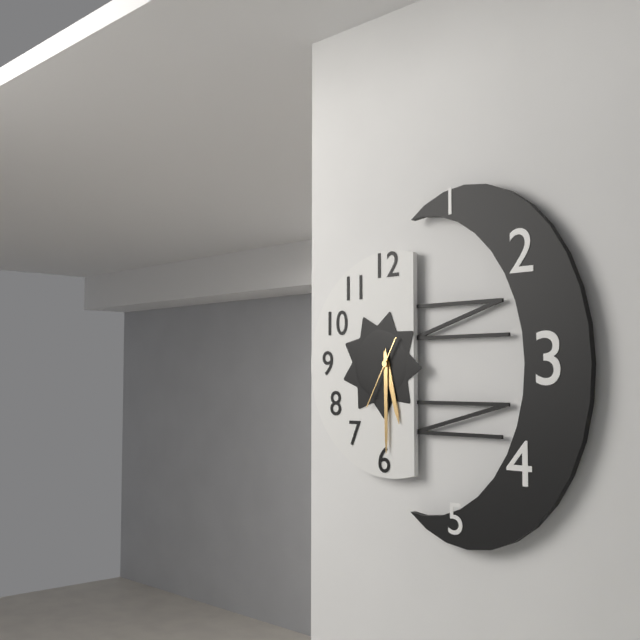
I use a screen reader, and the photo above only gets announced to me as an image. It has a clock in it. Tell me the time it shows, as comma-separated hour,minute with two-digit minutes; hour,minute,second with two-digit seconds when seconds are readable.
5,30,35
